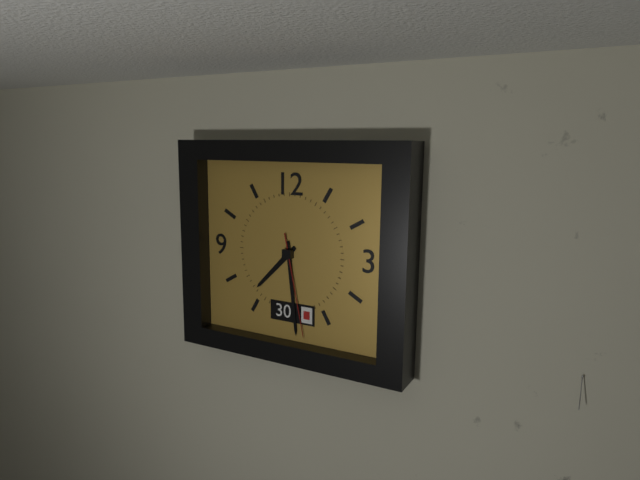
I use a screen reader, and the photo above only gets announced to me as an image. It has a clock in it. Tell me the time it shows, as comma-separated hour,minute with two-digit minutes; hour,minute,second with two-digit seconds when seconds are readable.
7,29,28
